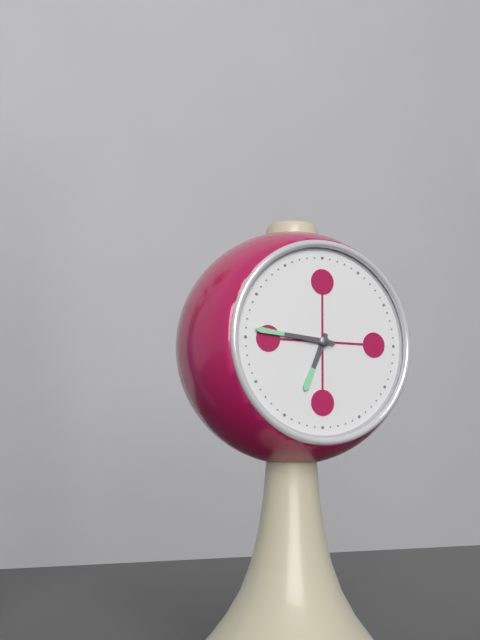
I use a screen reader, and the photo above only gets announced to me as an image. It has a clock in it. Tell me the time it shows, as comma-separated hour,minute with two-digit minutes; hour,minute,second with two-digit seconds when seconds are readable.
6,46
